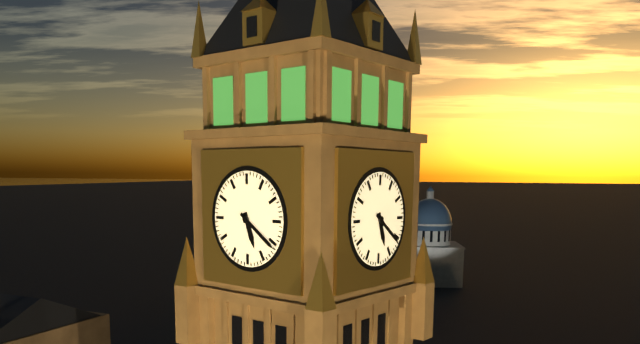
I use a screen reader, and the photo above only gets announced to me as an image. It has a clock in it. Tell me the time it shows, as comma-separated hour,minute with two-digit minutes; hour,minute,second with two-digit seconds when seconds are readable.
5,21
